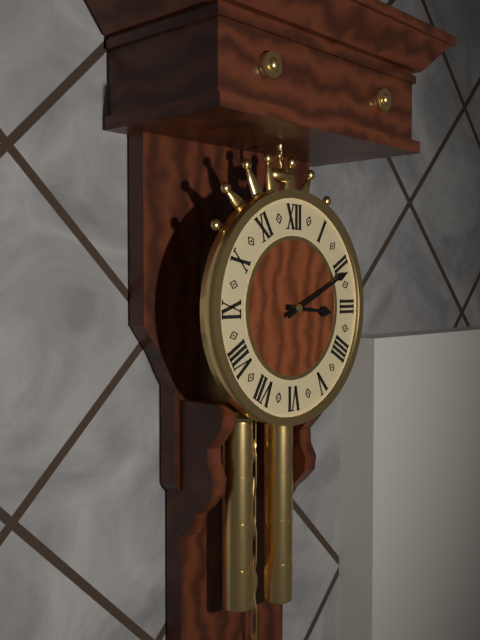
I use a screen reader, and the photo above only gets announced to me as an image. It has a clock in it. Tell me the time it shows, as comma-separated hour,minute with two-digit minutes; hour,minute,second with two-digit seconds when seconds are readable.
3,11
